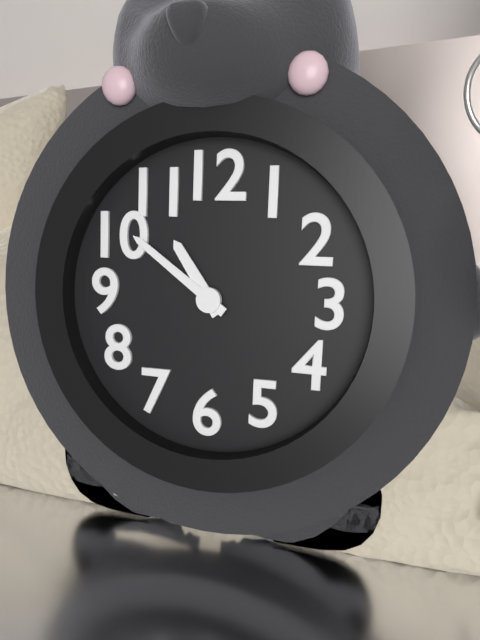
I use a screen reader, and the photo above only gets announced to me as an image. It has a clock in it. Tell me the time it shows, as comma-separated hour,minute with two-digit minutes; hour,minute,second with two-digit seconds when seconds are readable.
10,51
